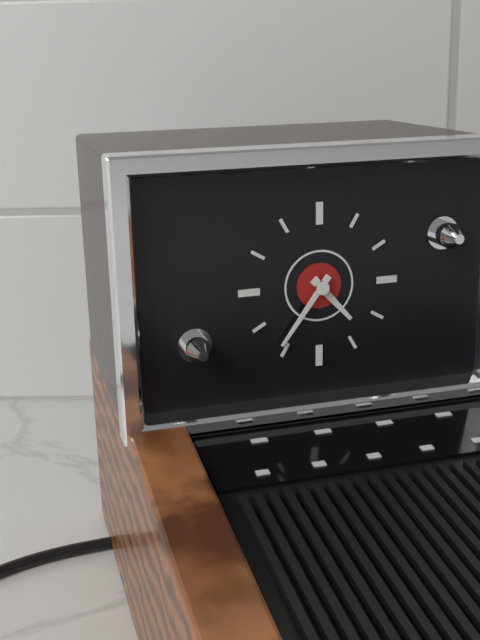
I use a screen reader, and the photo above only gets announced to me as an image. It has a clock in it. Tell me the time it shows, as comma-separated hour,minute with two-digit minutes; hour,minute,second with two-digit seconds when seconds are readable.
4,36
